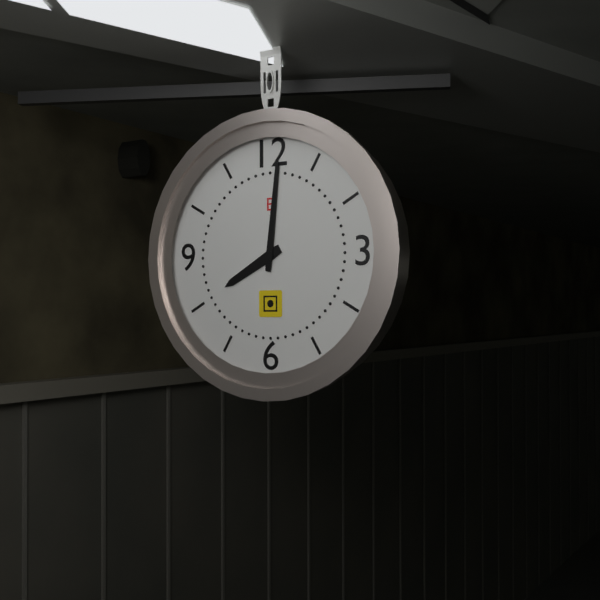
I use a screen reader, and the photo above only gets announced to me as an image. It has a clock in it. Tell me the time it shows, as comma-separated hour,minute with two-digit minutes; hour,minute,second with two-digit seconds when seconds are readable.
8,01
